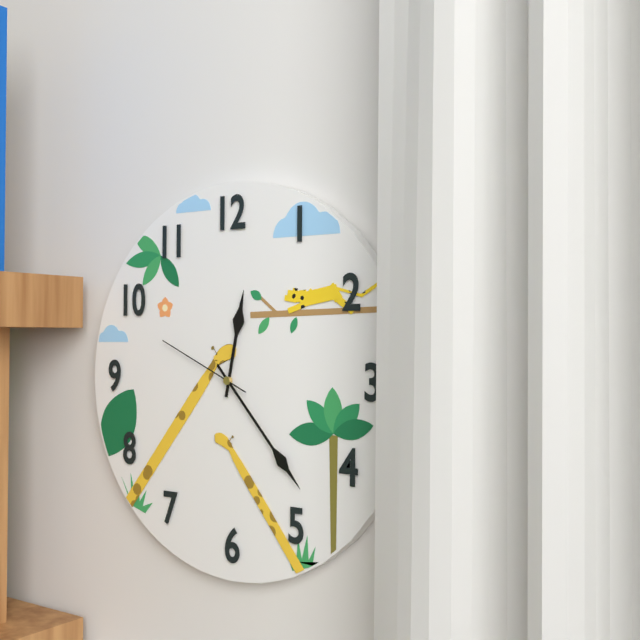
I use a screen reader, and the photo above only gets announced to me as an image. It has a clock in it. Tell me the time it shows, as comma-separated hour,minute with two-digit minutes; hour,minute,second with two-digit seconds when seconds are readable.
12,23,49
